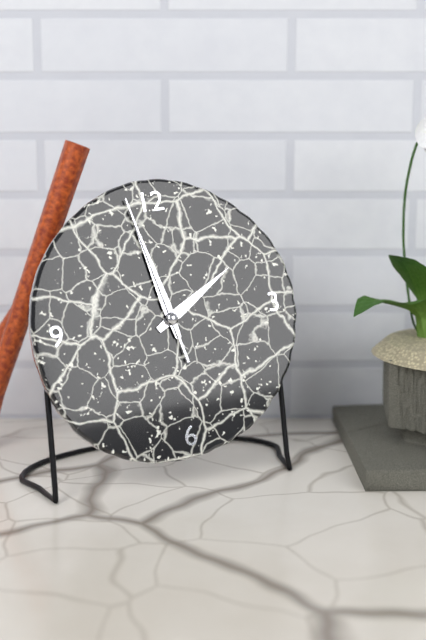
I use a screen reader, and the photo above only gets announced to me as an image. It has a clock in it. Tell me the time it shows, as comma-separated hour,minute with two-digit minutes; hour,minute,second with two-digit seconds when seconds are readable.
1,58,58
